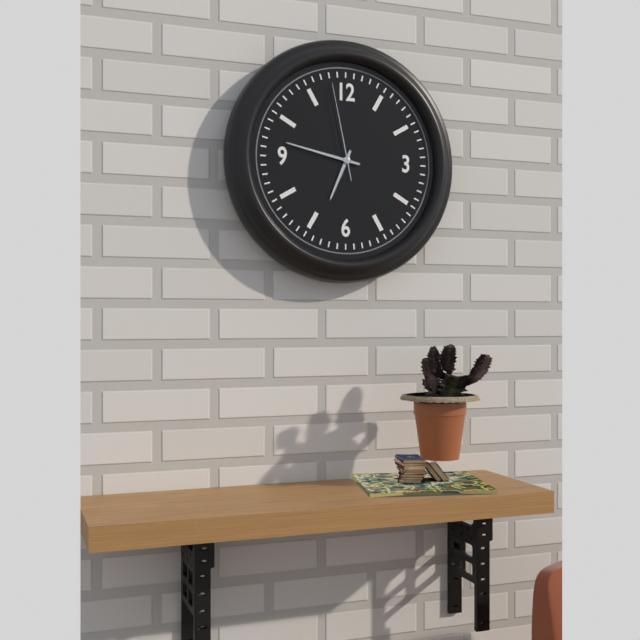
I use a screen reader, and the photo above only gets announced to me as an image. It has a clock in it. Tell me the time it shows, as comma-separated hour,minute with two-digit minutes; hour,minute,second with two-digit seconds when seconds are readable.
6,47,58
